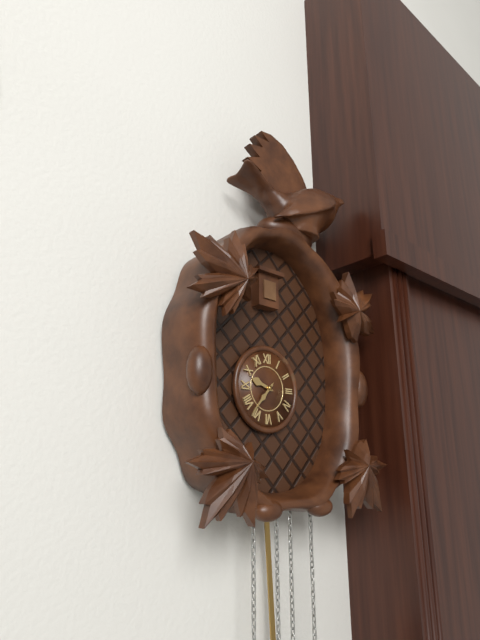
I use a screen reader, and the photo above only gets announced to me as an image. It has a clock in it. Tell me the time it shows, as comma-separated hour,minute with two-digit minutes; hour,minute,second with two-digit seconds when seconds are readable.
9,37
